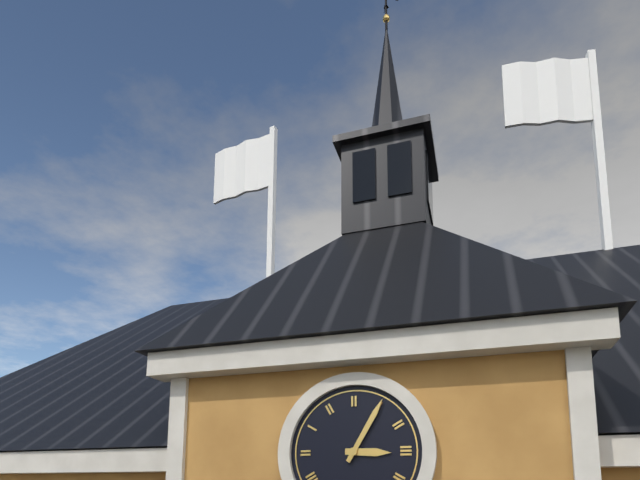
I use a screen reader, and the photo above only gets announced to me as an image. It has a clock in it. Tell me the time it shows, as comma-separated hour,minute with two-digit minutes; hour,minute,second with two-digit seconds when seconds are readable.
3,05
